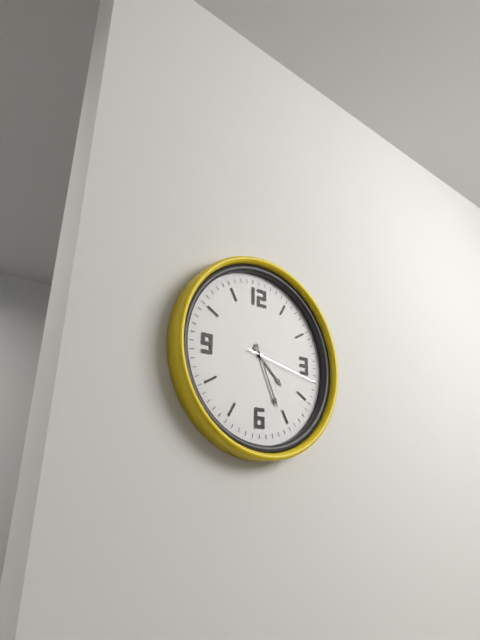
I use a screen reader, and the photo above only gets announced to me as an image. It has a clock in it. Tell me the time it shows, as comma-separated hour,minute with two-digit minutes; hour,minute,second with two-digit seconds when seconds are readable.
4,26,17
